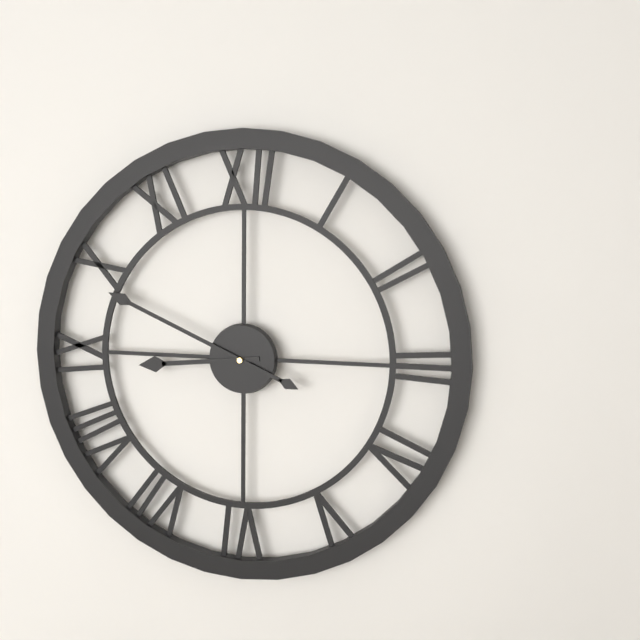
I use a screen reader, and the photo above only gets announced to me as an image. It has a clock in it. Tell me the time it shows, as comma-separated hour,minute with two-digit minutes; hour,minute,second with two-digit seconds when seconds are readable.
8,49
